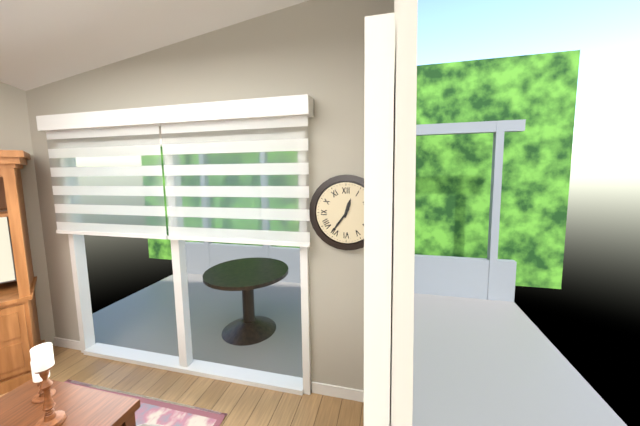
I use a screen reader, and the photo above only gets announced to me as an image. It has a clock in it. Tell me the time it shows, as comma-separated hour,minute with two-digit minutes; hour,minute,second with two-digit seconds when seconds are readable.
12,36
